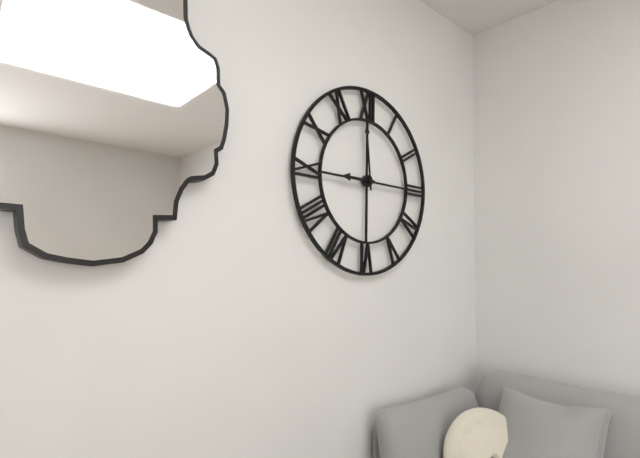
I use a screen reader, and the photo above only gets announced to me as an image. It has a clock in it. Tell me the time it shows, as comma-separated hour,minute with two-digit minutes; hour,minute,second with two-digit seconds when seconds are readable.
8,59
